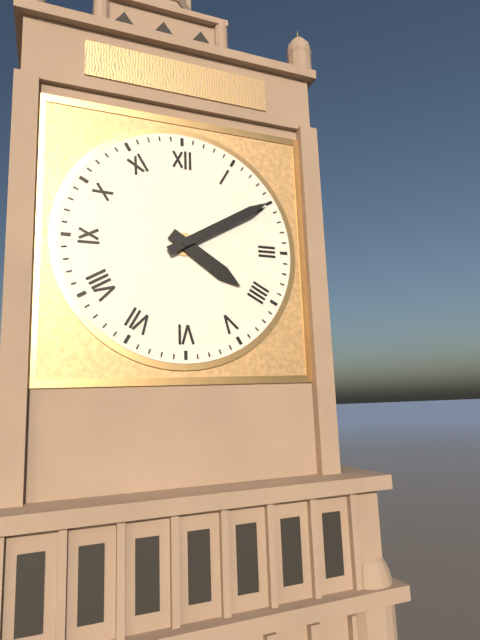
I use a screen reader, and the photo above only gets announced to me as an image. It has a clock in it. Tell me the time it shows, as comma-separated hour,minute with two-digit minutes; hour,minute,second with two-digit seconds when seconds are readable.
4,10
